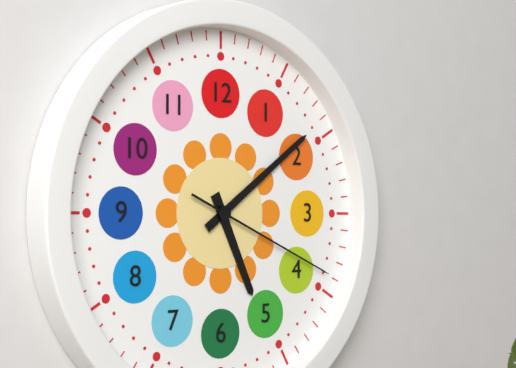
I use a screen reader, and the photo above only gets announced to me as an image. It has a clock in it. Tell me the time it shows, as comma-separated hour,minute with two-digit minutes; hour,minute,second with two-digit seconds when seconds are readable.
5,09,19
